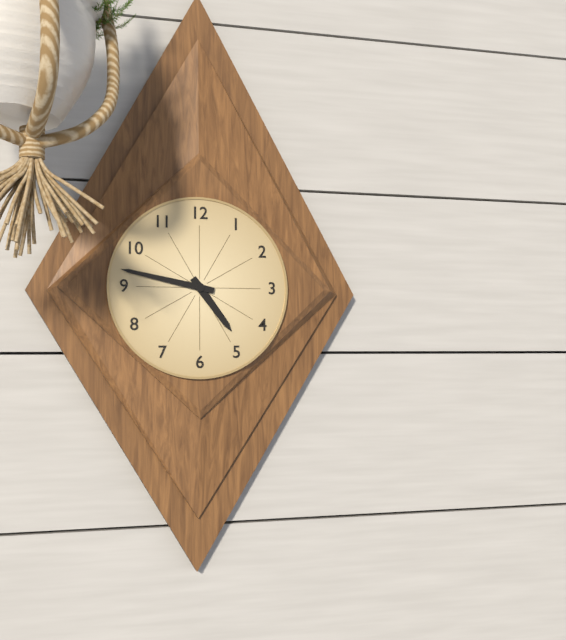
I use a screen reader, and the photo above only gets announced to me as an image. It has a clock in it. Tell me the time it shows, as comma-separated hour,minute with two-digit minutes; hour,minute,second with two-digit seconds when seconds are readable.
4,47
